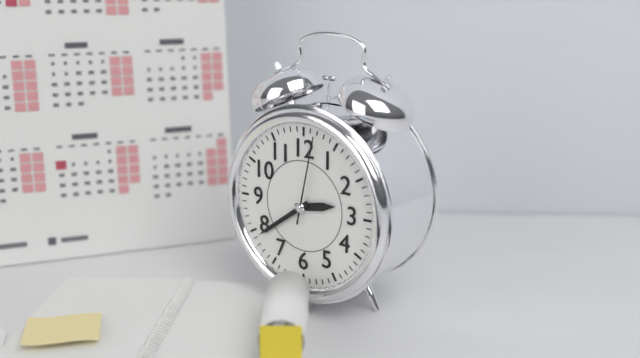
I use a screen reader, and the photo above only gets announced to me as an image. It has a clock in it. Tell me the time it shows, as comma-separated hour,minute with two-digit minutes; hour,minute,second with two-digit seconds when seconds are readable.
2,39,02
